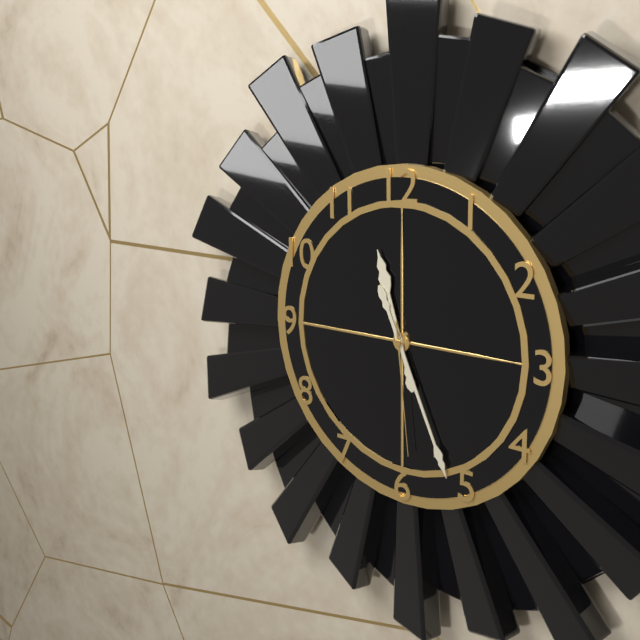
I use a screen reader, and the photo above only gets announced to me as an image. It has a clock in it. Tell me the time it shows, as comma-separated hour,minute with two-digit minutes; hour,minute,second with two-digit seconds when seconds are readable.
11,26,29
